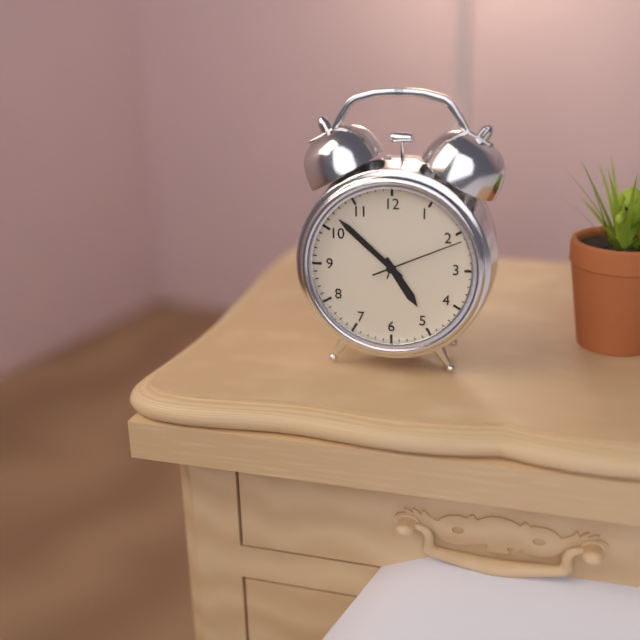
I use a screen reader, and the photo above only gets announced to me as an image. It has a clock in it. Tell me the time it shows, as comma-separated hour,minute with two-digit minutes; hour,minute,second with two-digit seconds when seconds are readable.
4,52,11
